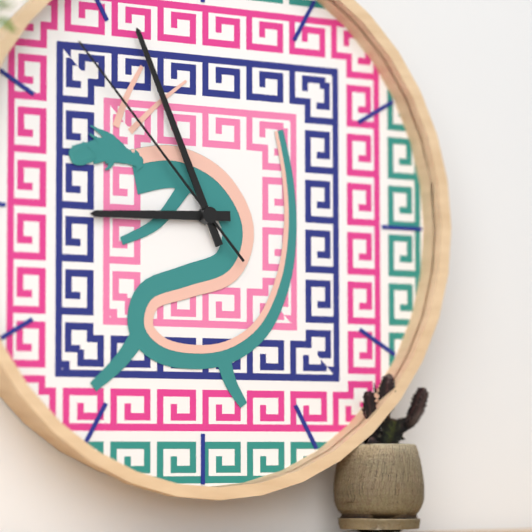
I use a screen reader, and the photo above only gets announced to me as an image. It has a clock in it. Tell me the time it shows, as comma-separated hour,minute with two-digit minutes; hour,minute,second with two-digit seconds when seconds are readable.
8,56,53
